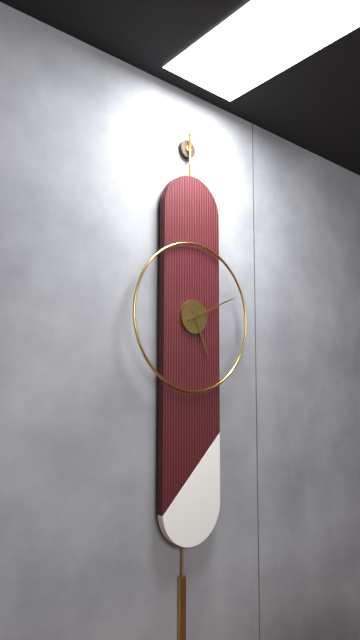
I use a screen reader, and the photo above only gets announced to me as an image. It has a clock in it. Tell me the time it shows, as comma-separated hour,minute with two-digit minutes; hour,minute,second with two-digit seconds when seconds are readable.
5,11
